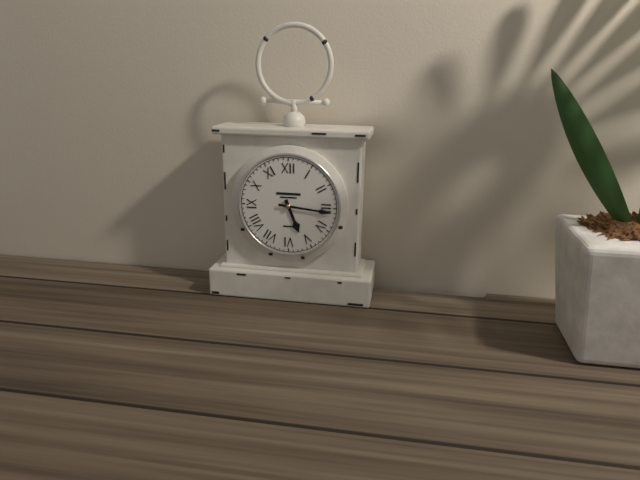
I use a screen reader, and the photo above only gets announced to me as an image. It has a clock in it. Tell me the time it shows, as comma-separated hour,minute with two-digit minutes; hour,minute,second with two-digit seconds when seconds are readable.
5,16
